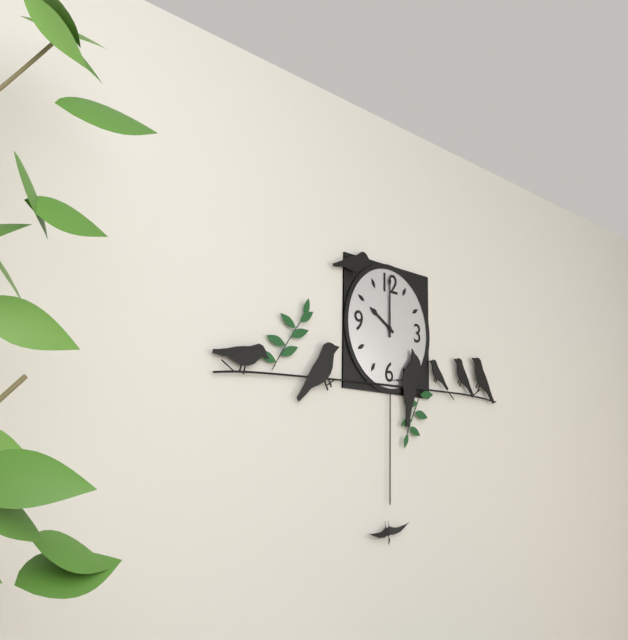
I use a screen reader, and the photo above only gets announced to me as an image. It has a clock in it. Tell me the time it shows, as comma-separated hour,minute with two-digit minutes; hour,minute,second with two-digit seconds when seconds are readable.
10,00
